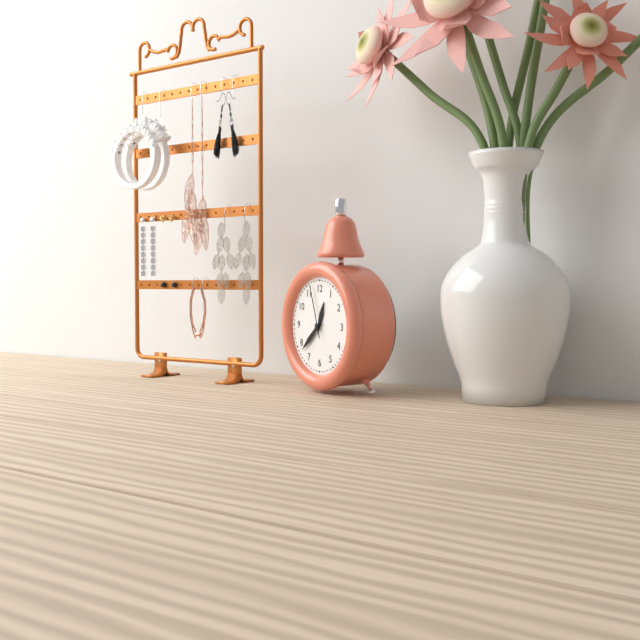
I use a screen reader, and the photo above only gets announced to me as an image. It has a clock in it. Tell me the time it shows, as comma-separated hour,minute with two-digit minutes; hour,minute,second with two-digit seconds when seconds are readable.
12,38,57
